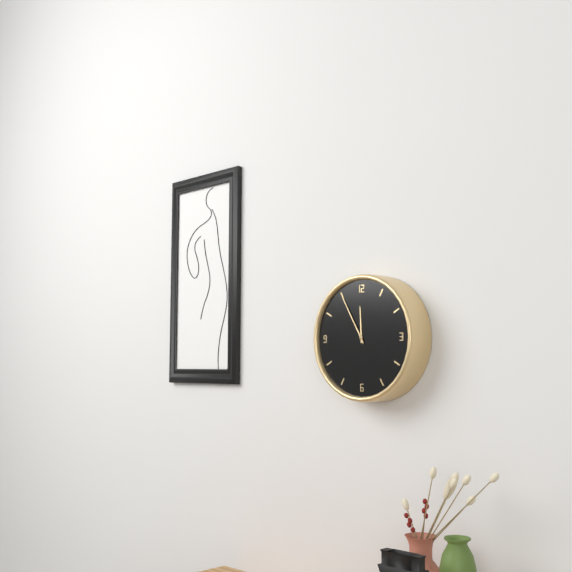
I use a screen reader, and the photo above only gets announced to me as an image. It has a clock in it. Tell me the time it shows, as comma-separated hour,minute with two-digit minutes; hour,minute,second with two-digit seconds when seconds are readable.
11,55
